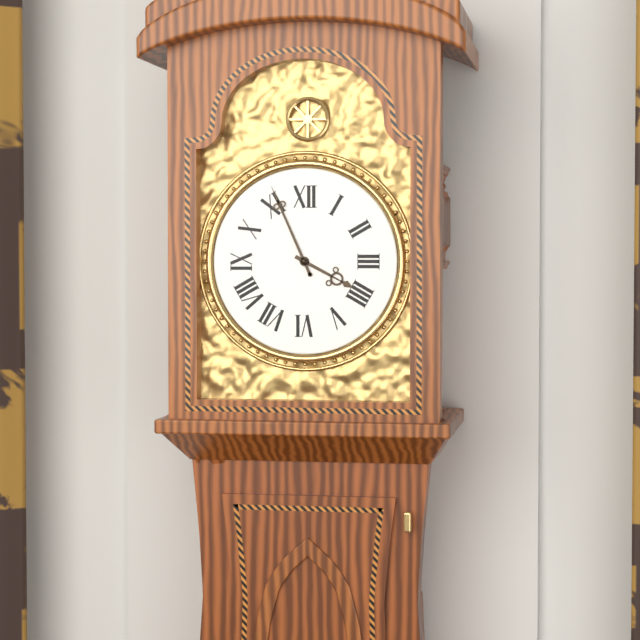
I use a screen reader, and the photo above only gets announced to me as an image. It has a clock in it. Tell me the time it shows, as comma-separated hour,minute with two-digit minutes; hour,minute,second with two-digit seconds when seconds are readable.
3,56
